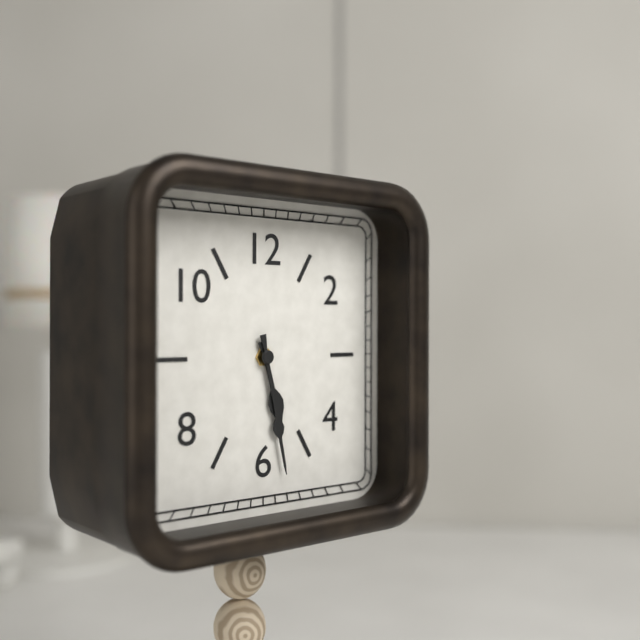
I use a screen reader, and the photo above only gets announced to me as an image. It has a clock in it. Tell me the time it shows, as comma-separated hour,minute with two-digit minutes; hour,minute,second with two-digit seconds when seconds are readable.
5,28
